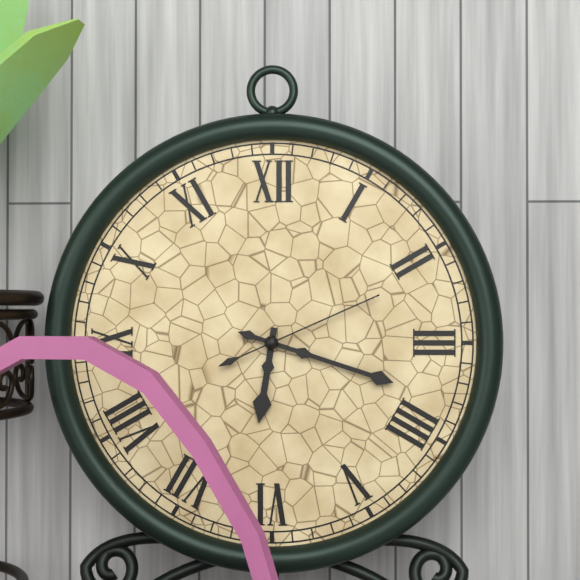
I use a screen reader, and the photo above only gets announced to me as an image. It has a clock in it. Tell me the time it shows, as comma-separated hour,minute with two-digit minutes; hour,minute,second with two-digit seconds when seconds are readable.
6,18,11
